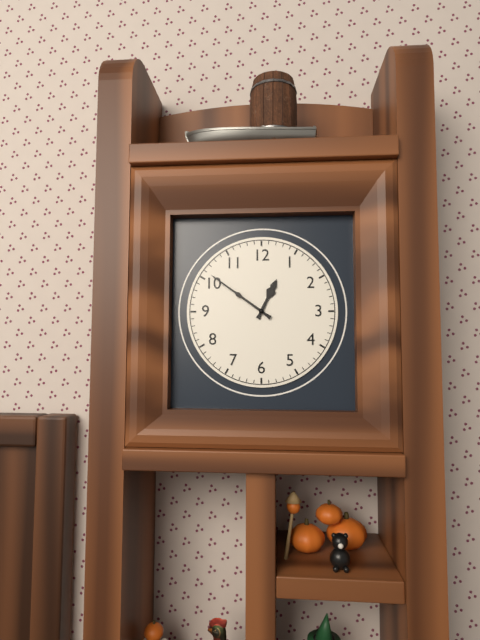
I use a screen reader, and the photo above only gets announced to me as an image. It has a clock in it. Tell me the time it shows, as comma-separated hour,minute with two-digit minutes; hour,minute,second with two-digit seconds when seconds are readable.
12,51
